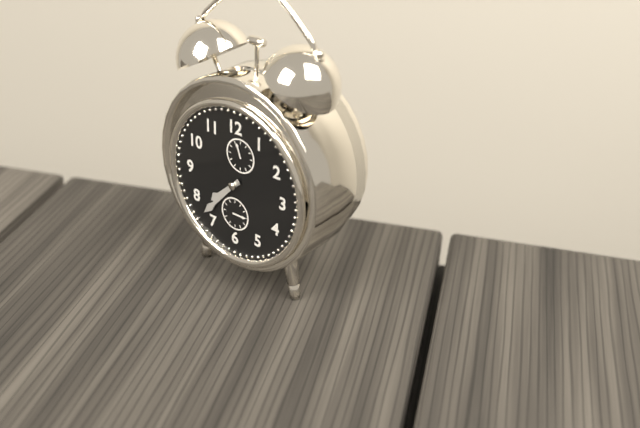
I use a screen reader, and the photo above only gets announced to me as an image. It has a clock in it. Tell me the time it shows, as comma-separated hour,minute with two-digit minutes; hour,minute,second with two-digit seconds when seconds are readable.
7,37
